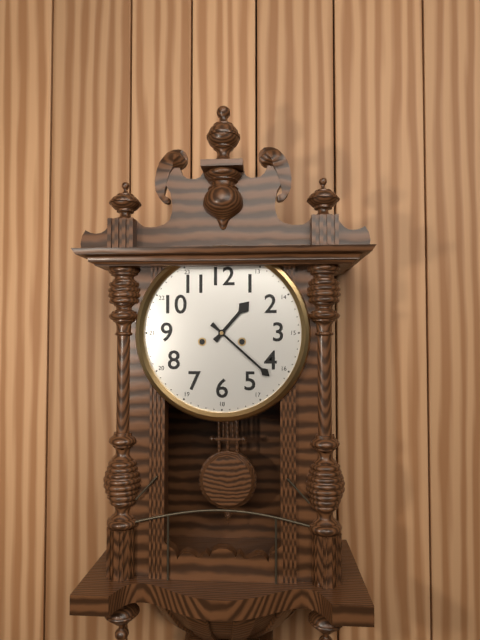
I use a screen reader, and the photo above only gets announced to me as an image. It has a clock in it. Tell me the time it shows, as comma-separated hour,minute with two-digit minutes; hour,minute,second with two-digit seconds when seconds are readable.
1,22
